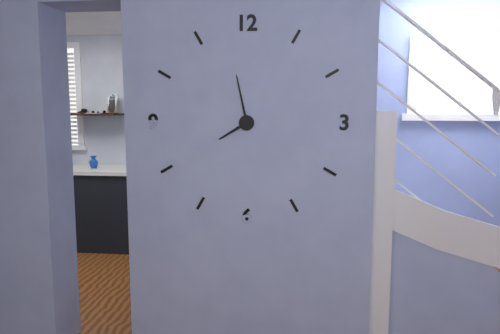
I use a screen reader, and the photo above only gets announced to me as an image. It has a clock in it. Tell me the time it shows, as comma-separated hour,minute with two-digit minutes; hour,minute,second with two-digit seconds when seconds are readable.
7,58
